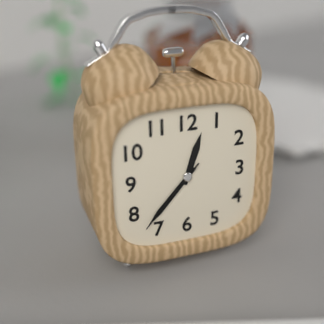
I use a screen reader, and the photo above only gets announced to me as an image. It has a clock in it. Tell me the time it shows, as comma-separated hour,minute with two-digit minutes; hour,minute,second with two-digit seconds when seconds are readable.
12,37,37
